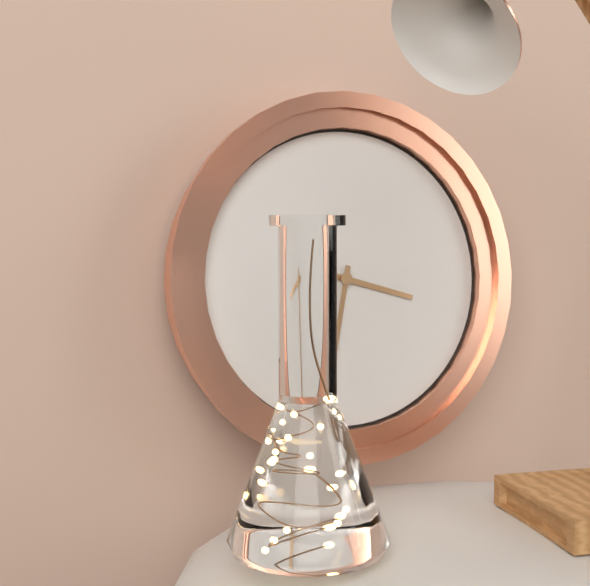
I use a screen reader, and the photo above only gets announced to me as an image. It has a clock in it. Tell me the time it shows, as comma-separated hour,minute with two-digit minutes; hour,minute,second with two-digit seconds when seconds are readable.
3,32
